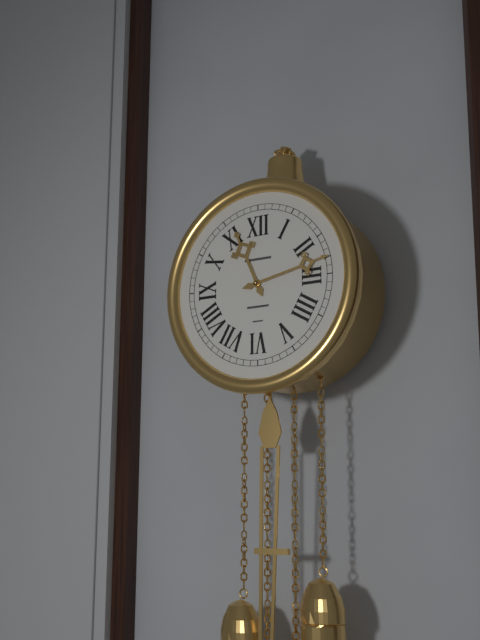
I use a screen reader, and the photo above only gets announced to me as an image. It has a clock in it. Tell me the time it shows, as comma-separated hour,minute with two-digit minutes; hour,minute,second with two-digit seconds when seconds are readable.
11,13
